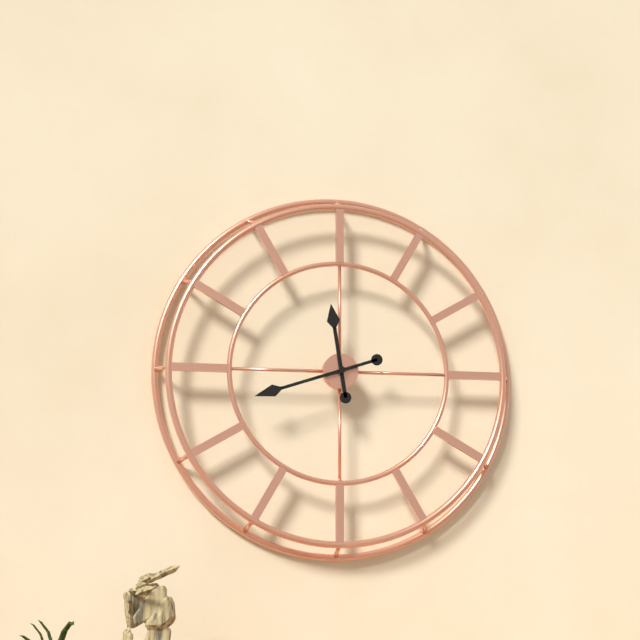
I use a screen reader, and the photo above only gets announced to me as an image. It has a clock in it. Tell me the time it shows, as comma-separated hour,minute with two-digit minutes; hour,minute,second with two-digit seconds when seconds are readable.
11,42
